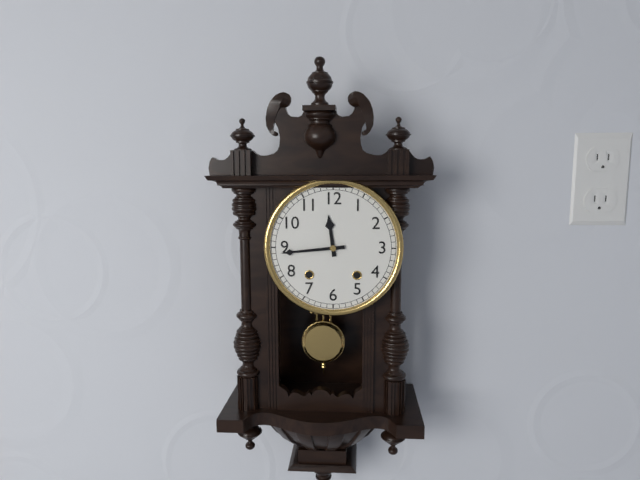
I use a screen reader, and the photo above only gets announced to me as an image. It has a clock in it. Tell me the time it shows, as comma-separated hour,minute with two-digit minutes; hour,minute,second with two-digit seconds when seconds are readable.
11,44
